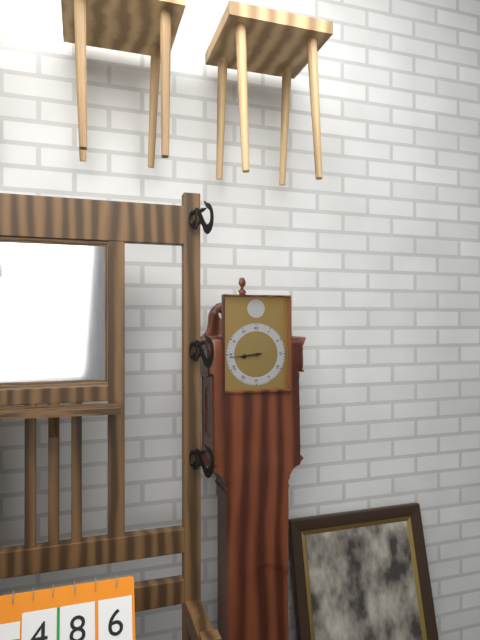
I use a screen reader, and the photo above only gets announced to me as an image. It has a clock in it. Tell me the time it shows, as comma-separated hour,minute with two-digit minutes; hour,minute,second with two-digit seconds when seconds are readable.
8,44
